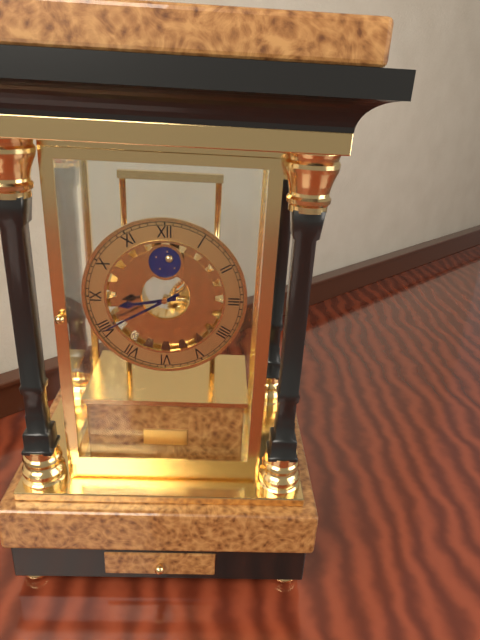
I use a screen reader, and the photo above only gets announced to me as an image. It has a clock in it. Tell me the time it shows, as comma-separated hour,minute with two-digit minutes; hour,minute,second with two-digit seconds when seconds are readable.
8,40
